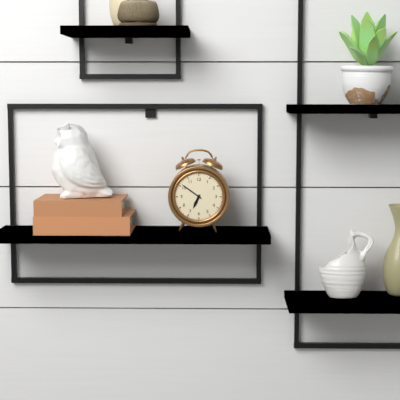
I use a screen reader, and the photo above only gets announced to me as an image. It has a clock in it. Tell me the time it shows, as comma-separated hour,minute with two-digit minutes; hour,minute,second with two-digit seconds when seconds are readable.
6,51
